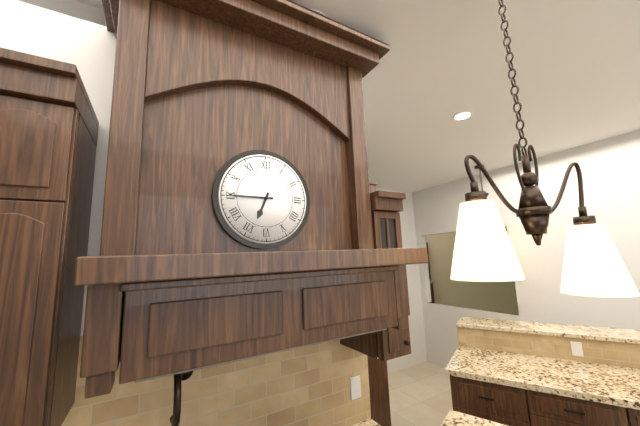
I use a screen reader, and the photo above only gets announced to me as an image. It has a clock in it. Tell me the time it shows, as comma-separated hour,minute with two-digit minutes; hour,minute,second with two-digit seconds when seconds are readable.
6,45
